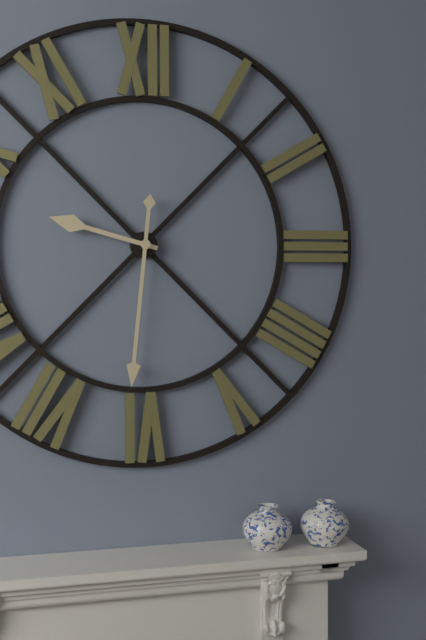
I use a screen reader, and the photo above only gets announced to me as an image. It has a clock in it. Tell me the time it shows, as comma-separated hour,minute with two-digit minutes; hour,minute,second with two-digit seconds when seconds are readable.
9,31
